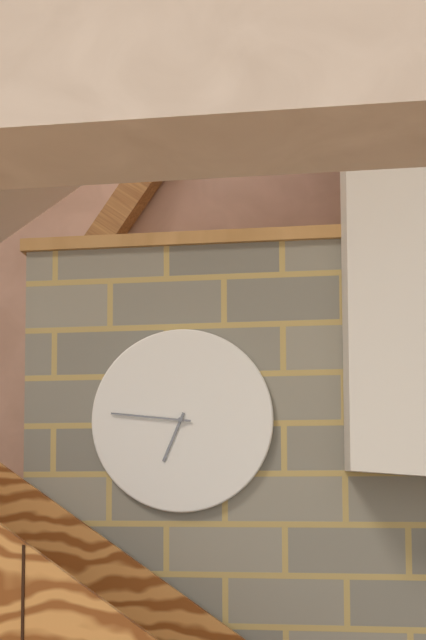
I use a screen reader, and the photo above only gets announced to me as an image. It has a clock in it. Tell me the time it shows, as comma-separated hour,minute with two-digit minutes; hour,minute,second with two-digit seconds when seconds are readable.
6,46
